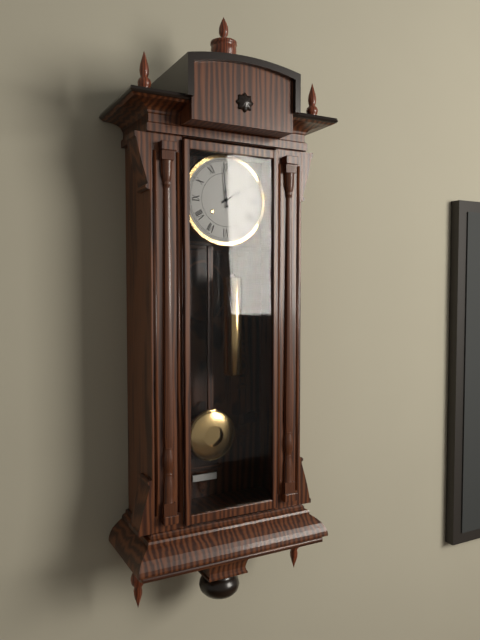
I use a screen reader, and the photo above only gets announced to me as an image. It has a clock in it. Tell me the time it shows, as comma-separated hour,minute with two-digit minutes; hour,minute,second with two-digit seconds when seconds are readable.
1,59
